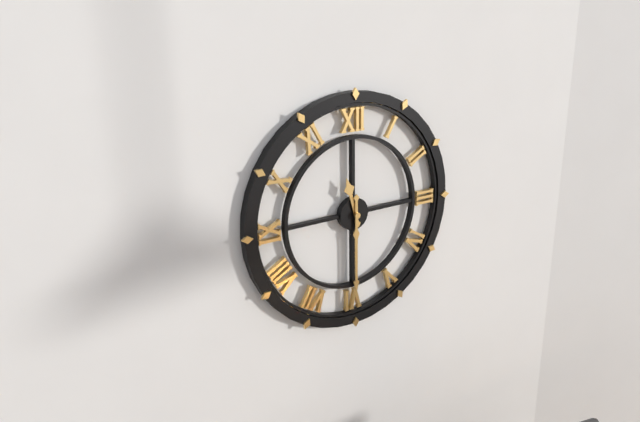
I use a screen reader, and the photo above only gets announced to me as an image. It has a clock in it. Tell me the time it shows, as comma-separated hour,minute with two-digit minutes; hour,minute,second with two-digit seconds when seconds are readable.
11,30
